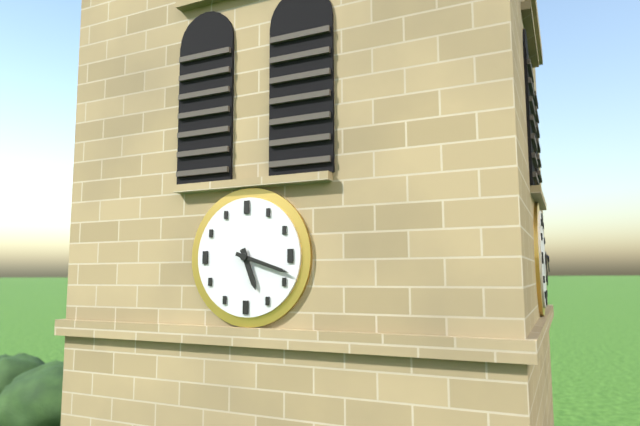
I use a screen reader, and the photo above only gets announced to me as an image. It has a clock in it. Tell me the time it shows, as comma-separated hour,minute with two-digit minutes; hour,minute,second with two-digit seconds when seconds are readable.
5,18
